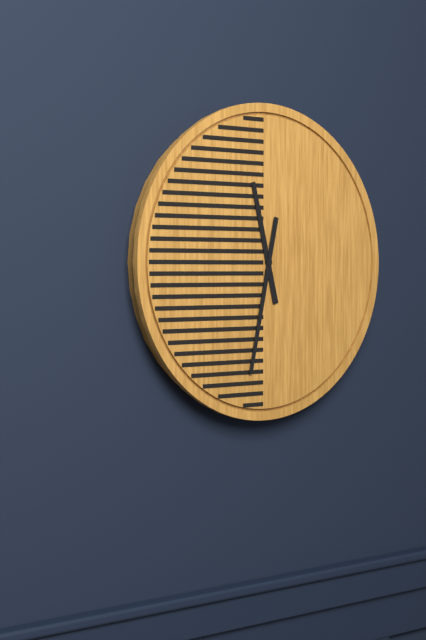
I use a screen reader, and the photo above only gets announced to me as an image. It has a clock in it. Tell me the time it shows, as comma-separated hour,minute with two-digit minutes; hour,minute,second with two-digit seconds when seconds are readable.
11,32
